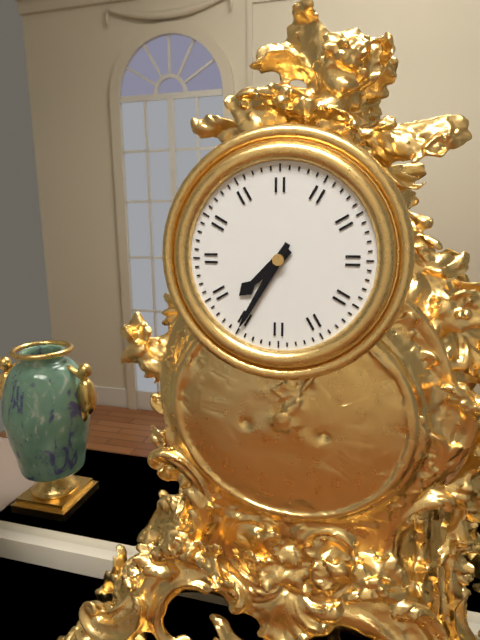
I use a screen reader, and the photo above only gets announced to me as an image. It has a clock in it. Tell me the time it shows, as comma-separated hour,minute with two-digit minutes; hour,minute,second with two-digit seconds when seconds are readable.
7,35
